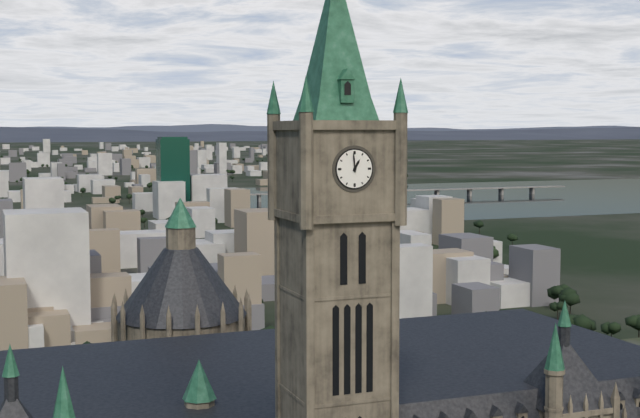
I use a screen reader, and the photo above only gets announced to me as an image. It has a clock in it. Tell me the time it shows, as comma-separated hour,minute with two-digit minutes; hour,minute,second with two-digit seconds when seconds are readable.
12,59
